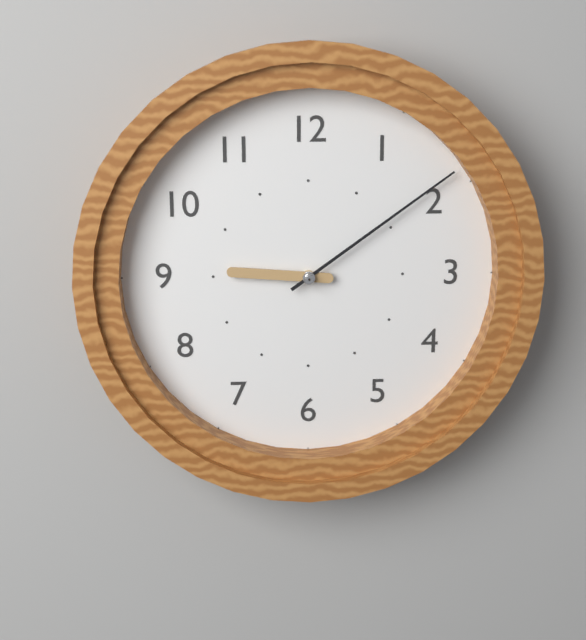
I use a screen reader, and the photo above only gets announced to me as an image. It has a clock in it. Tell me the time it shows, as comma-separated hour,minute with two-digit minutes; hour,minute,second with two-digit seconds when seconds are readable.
9,09
